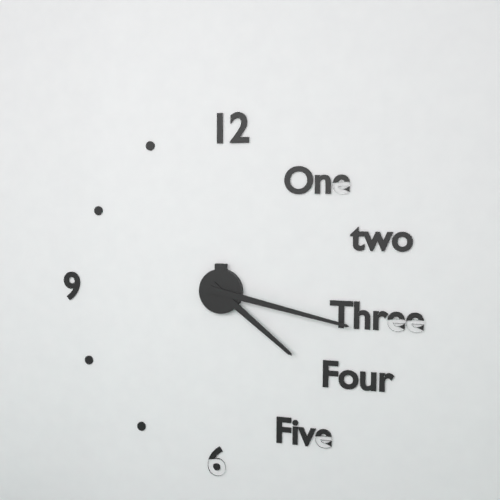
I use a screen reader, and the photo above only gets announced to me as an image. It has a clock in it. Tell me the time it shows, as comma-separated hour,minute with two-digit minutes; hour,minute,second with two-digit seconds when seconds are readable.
4,17
